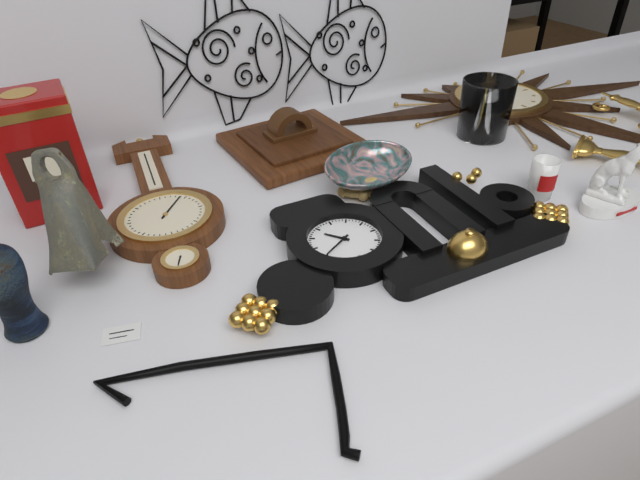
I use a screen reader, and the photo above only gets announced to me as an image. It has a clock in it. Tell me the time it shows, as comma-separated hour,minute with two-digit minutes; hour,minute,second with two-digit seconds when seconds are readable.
10,40
